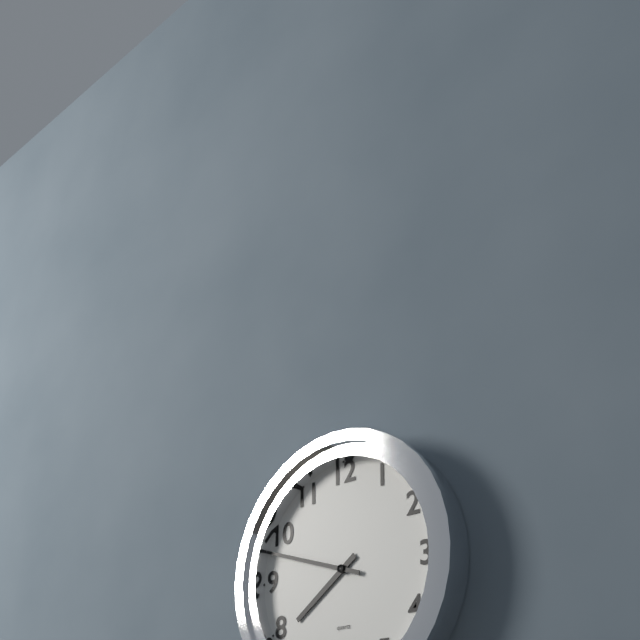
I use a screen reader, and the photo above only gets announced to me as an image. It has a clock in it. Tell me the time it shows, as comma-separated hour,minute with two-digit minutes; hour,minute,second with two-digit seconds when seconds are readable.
7,48
